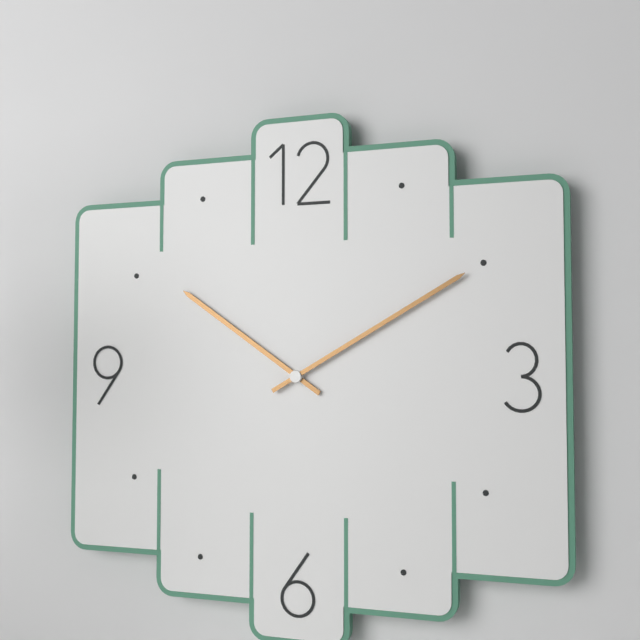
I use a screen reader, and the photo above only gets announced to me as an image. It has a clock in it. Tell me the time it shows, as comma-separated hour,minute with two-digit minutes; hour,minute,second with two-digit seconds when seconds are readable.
10,10
